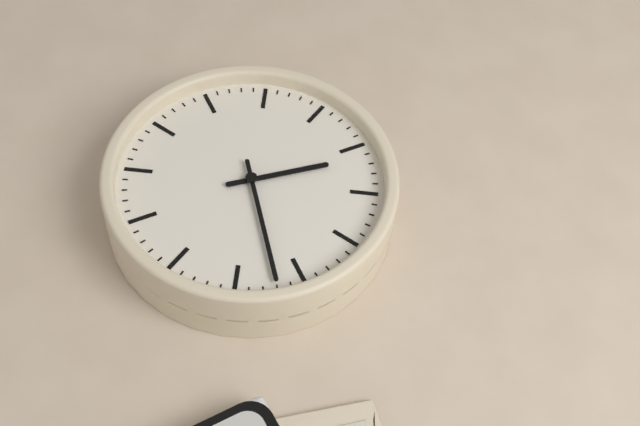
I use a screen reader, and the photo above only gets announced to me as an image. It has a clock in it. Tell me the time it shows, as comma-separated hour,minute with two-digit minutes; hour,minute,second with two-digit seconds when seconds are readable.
12,17
